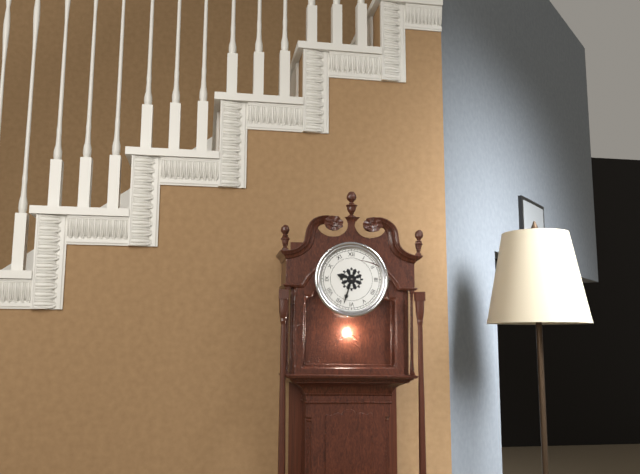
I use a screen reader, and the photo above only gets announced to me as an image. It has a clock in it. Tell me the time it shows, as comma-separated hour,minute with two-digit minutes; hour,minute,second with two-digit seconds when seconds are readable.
9,33
